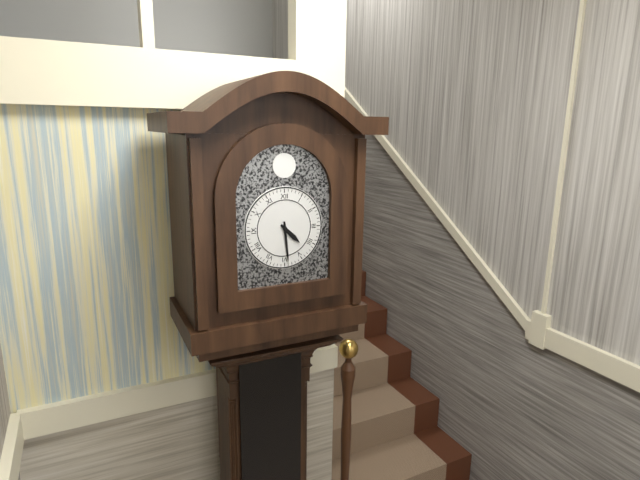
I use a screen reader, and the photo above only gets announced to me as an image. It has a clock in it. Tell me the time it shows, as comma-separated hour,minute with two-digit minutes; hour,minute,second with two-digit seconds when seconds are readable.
4,29
